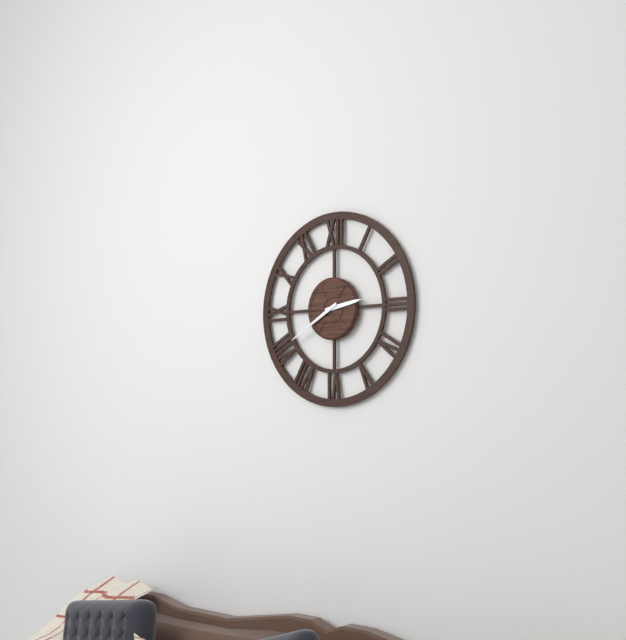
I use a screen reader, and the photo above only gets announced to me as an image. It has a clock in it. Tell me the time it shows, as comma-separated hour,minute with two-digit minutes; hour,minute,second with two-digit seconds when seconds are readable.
2,40
